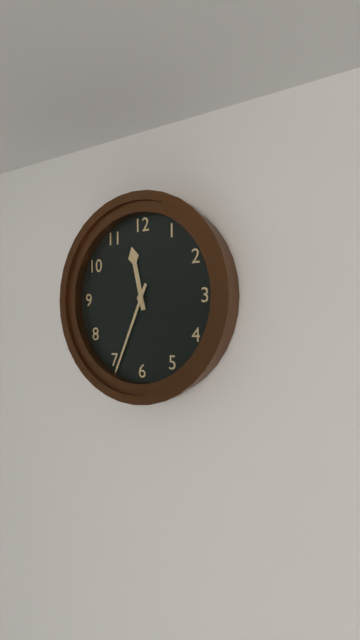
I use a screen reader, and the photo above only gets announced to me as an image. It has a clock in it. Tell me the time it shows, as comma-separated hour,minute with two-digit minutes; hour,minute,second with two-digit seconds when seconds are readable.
11,34
